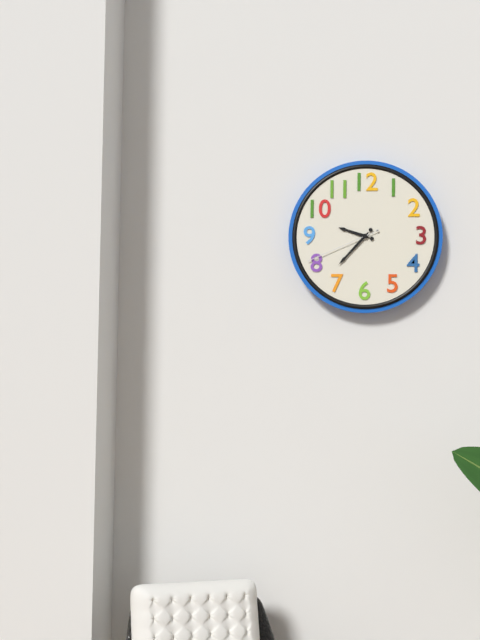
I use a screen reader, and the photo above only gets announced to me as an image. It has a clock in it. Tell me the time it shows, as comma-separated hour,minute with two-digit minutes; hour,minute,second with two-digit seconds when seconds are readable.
9,37,41
